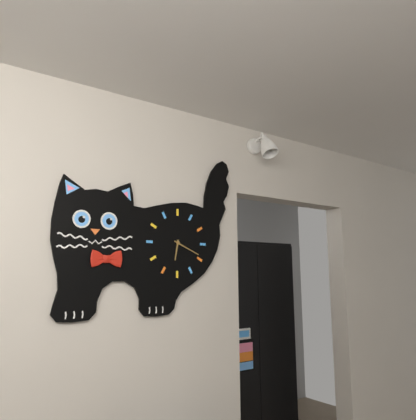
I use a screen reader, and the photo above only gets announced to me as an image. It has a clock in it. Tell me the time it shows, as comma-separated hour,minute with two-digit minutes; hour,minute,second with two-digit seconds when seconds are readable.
6,19
